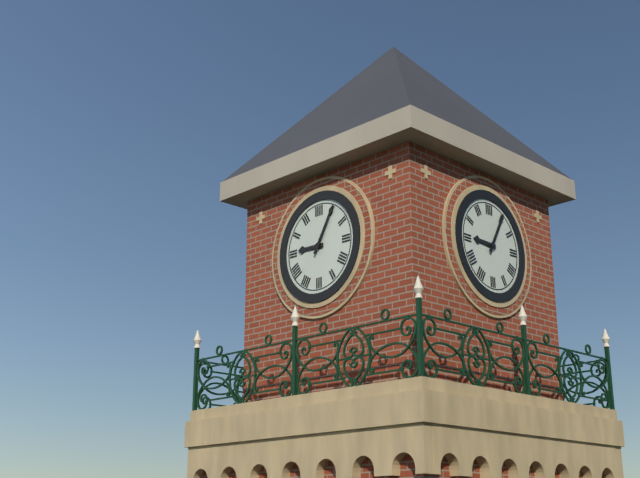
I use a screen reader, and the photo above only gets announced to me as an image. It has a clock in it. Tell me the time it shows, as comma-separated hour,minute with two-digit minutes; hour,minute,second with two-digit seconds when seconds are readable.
9,05
